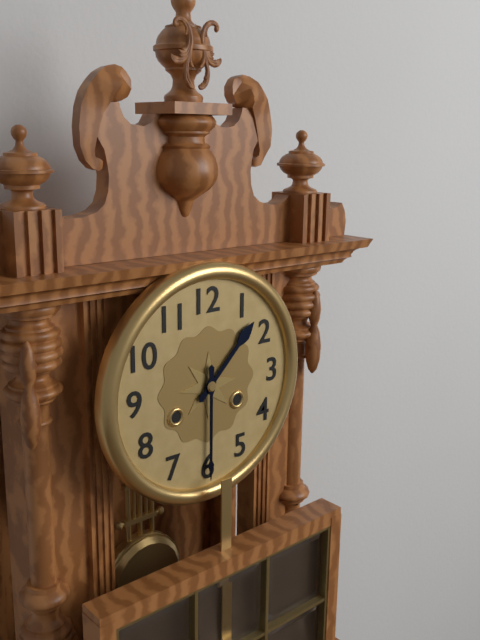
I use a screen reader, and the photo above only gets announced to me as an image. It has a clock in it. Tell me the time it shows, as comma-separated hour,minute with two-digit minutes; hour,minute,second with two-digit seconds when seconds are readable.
1,30
